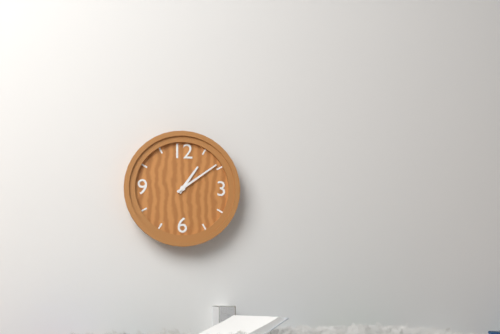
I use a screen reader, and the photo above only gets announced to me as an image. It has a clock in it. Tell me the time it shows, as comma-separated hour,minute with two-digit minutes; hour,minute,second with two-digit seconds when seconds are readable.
1,09
